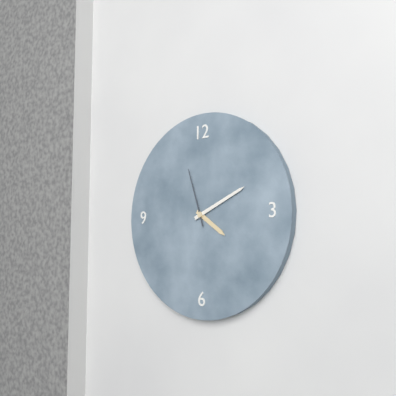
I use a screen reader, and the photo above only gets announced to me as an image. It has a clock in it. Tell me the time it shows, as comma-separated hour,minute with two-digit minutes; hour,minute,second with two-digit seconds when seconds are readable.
4,11,57
